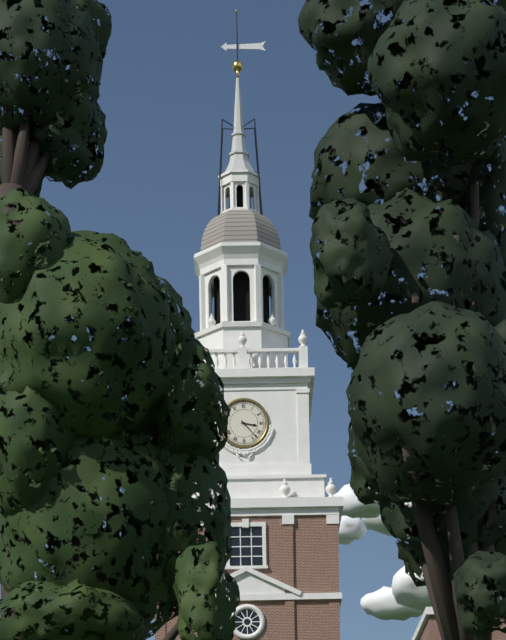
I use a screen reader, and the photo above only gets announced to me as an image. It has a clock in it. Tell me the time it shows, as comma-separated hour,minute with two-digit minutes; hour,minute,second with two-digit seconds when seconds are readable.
3,23
